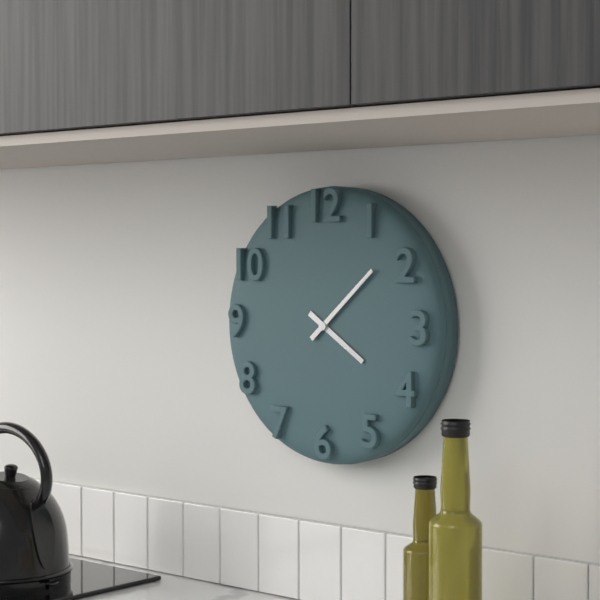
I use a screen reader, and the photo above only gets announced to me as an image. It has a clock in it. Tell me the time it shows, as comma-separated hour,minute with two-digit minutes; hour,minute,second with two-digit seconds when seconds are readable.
4,08
